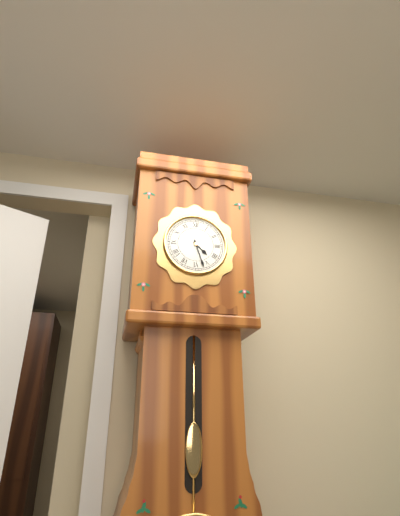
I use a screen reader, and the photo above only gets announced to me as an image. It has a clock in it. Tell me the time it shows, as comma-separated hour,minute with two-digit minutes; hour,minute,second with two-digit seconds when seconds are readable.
4,27
